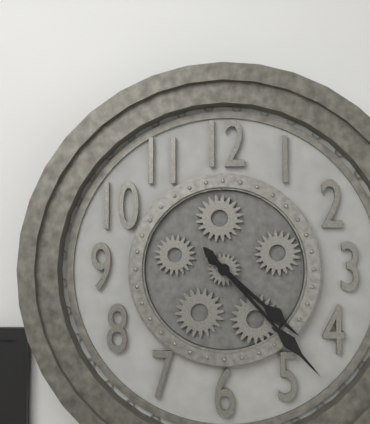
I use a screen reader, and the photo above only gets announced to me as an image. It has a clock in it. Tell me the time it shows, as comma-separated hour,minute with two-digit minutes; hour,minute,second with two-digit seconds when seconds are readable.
4,23
